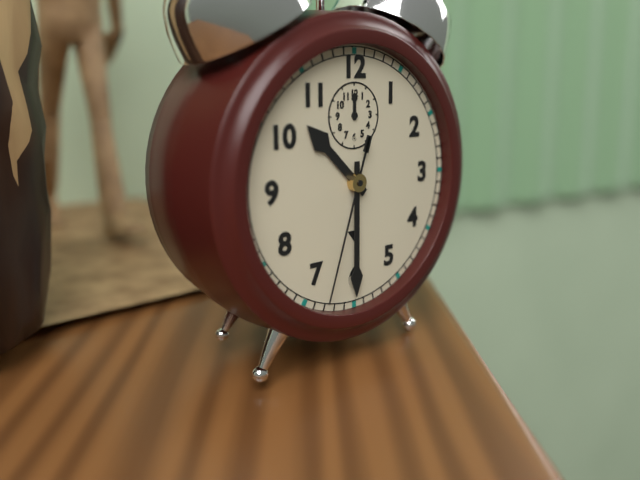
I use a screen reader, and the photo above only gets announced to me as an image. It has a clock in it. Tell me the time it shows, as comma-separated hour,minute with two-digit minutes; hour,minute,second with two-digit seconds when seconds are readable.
10,30,33
